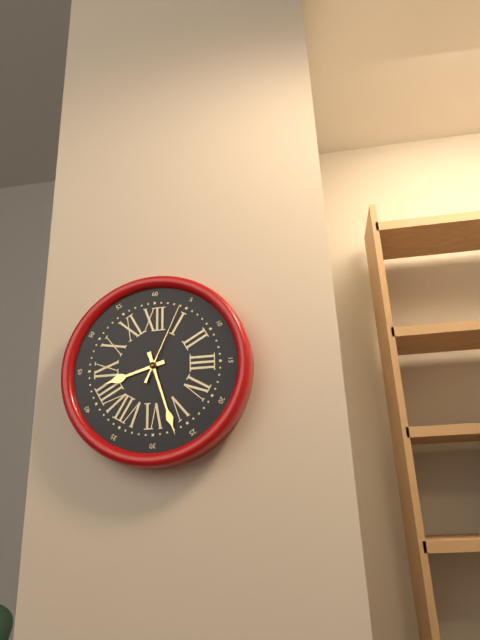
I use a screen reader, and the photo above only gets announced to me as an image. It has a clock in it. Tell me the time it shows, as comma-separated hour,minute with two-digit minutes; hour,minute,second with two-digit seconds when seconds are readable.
8,27,04
